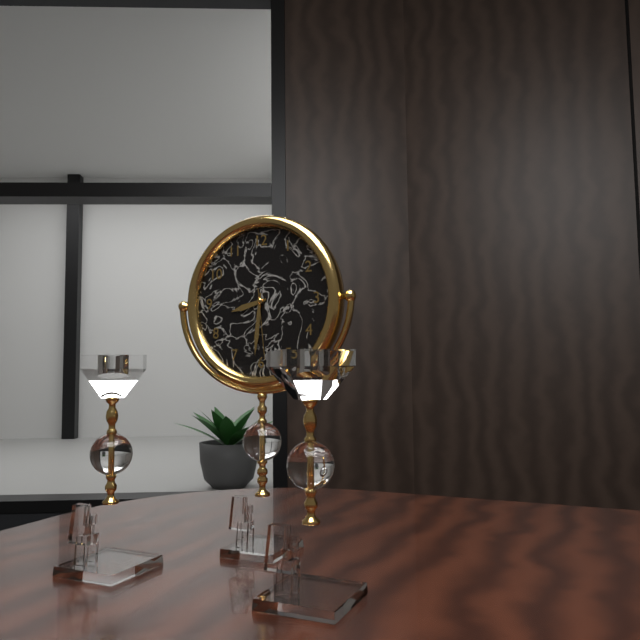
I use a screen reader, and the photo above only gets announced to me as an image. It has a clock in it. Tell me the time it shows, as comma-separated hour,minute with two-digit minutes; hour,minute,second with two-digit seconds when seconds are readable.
8,31,29
